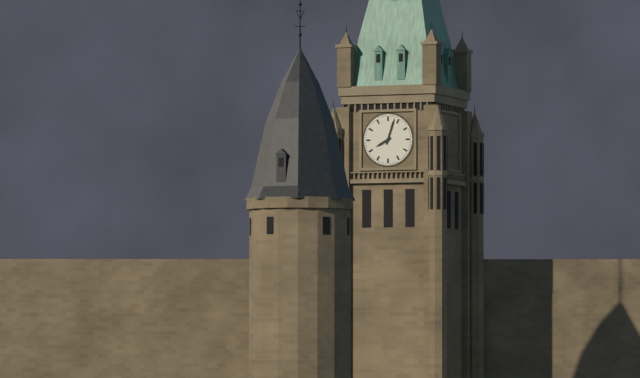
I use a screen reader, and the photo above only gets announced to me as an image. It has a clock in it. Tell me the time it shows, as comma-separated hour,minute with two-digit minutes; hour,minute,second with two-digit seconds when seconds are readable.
8,03
